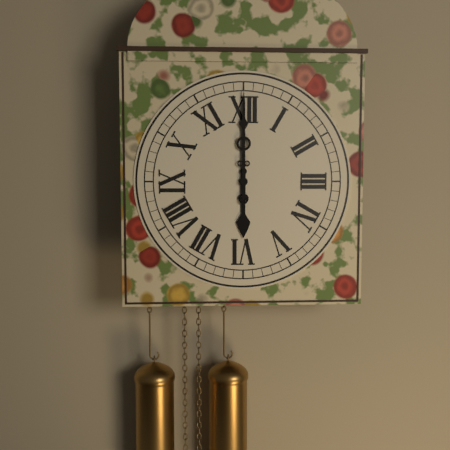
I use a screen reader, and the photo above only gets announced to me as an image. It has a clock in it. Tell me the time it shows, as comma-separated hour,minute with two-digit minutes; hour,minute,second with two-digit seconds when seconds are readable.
6,00
